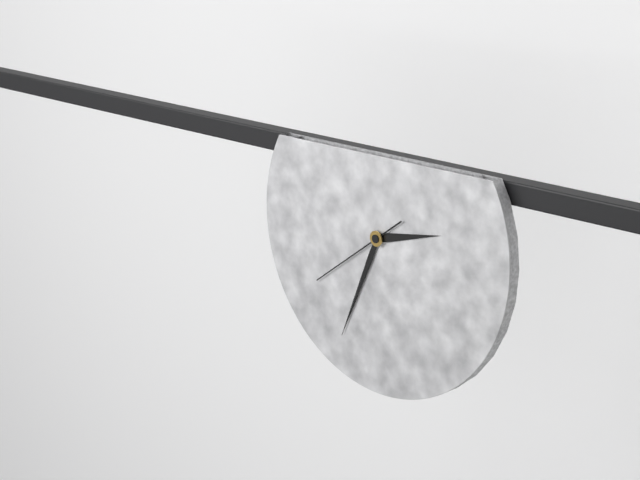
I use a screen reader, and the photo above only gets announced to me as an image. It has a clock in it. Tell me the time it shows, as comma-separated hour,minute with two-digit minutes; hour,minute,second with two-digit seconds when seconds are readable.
2,34,39
